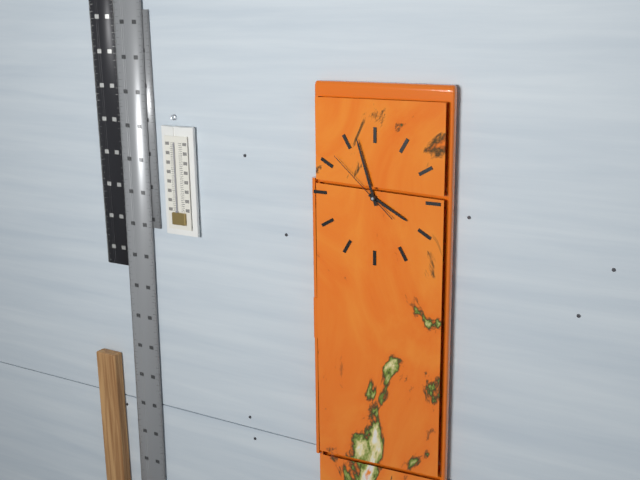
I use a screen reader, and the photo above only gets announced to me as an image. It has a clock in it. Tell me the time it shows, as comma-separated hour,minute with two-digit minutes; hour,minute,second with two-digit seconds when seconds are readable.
3,57,52
